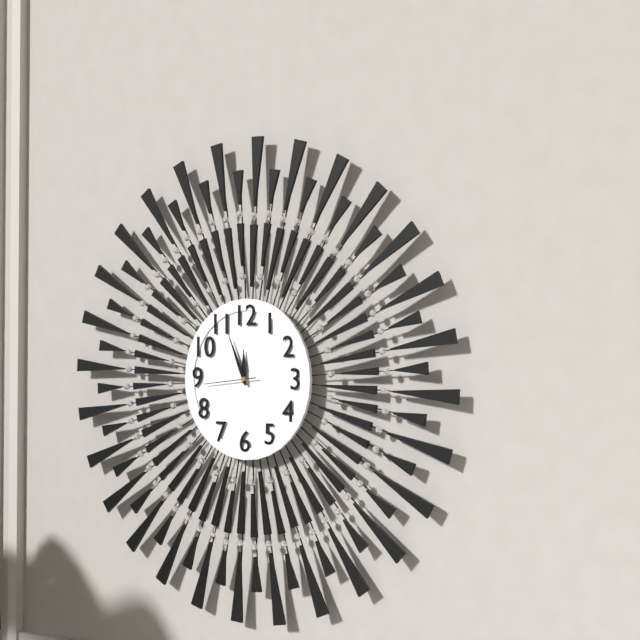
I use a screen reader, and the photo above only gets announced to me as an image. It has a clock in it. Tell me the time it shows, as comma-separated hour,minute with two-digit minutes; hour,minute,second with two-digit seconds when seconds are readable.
11,56,44
